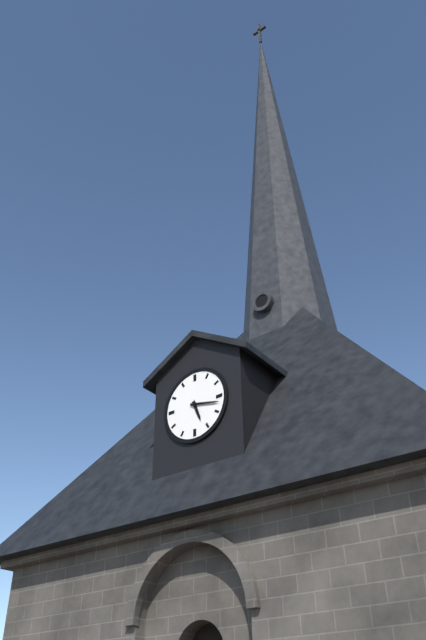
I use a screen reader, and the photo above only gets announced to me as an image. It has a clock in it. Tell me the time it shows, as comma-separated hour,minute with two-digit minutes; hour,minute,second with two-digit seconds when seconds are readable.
5,17
